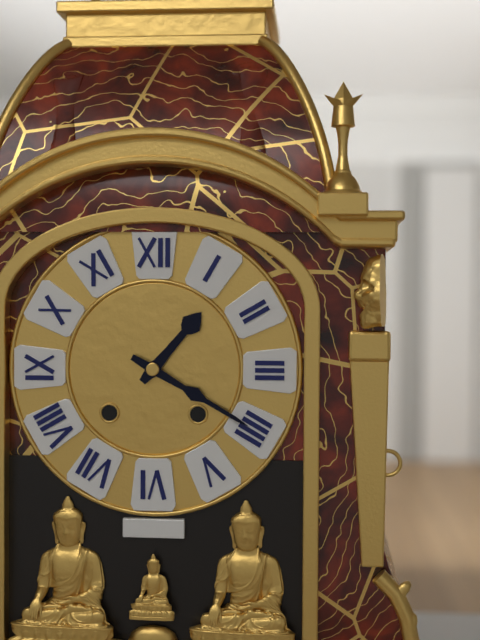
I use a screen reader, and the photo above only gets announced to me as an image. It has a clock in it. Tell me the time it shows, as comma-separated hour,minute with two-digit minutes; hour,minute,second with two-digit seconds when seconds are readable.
1,20
